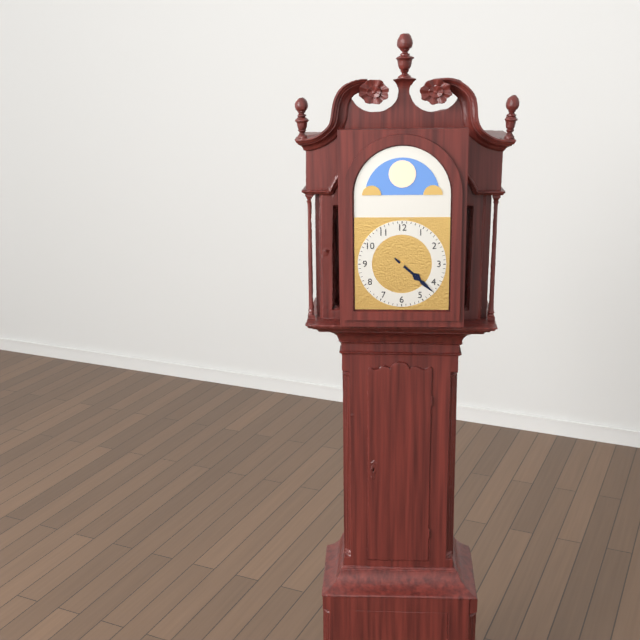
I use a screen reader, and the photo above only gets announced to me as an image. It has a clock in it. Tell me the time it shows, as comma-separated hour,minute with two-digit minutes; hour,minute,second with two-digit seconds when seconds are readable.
4,22
